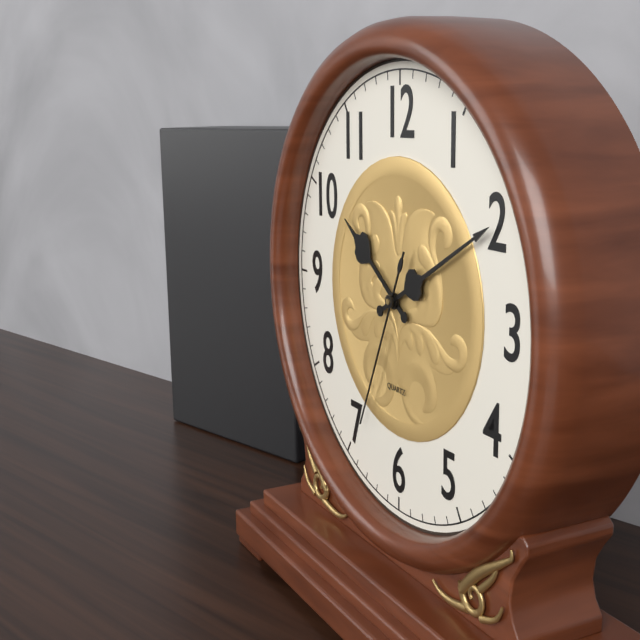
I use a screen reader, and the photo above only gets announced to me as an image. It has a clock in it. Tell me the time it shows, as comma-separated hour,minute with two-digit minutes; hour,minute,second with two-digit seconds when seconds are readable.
10,10,34
